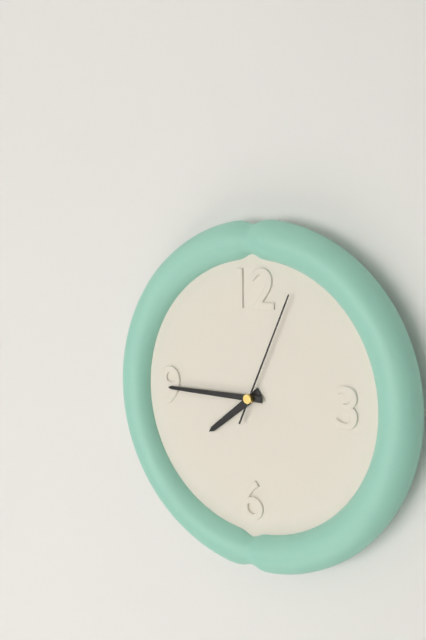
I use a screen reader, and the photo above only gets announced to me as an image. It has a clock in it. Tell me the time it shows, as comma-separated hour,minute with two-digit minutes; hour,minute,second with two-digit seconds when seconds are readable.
7,45,04
